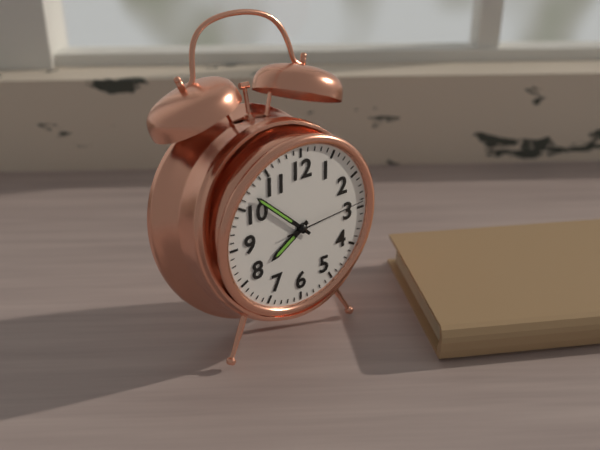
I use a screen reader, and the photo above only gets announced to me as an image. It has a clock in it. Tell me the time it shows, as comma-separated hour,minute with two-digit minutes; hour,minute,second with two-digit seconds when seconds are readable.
7,52,14
